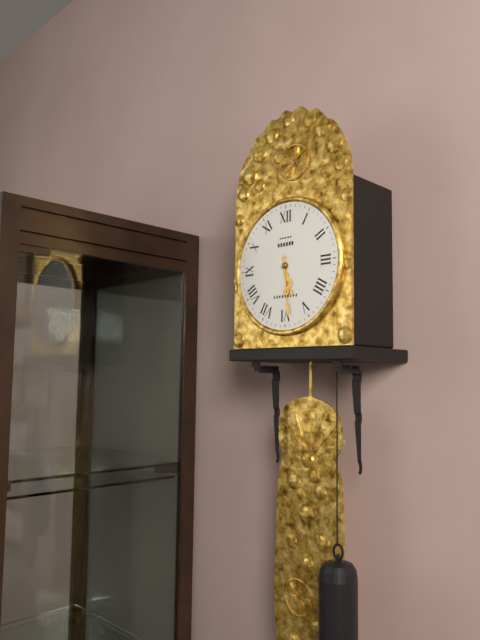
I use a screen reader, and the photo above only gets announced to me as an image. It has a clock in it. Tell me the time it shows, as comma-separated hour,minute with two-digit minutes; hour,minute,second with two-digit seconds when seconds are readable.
5,29
